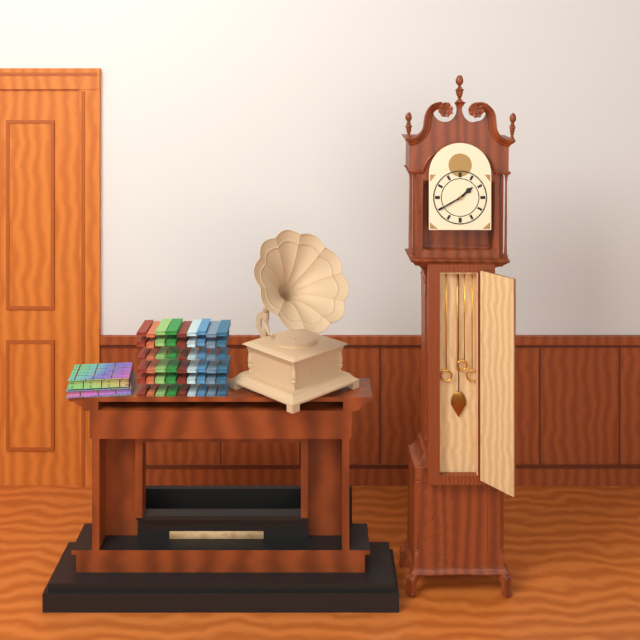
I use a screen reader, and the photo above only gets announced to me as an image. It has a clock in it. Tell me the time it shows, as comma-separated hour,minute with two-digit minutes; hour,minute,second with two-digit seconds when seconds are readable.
1,40
